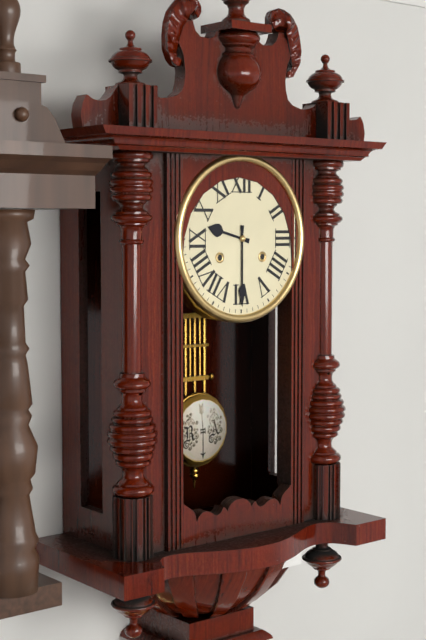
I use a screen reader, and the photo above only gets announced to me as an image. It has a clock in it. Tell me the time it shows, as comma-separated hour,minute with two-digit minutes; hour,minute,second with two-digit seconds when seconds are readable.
9,30
